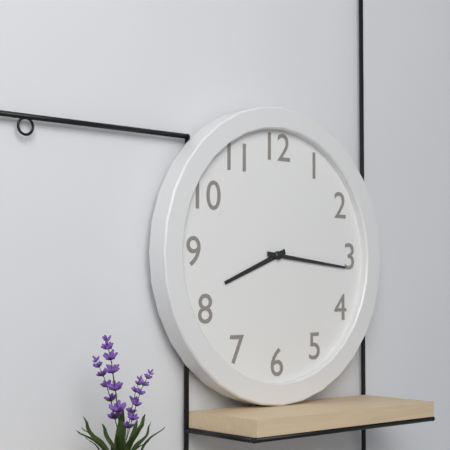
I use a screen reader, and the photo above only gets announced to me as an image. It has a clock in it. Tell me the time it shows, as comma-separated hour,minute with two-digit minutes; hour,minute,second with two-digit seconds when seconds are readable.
8,16
